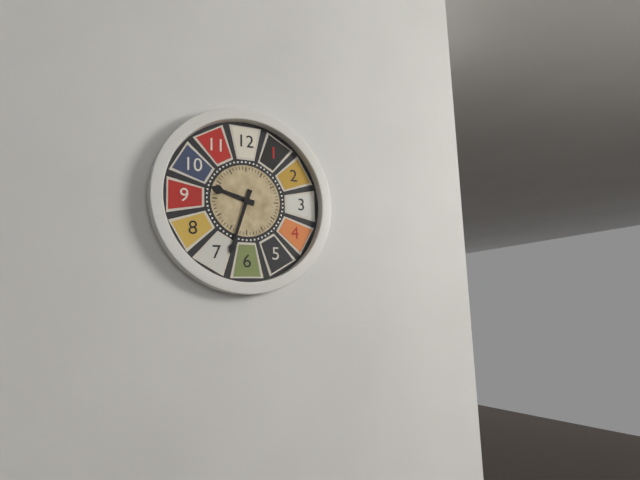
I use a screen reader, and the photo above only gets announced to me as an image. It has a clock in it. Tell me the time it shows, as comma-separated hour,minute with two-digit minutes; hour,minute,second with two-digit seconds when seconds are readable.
9,33
